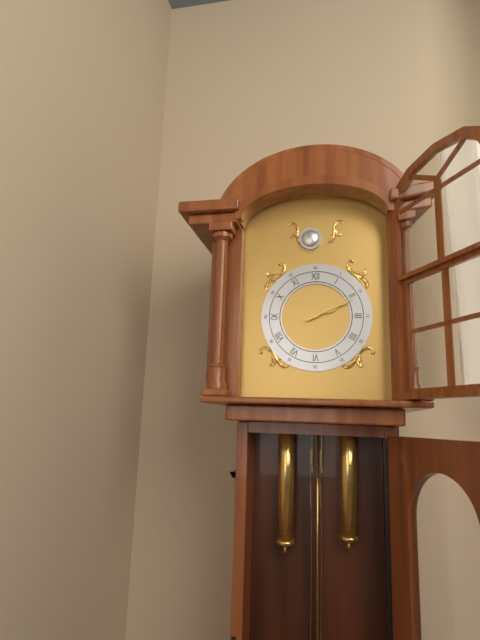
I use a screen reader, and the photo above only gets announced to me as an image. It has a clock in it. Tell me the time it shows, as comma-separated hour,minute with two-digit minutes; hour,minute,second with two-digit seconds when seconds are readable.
2,11
